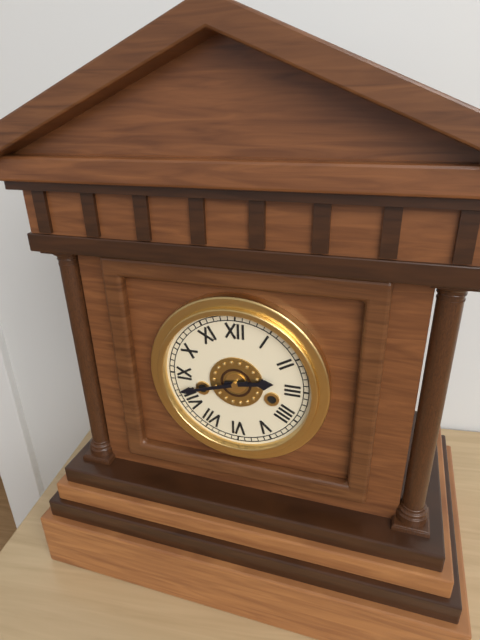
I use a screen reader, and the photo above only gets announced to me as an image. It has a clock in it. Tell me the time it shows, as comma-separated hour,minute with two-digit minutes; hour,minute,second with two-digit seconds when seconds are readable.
2,42
